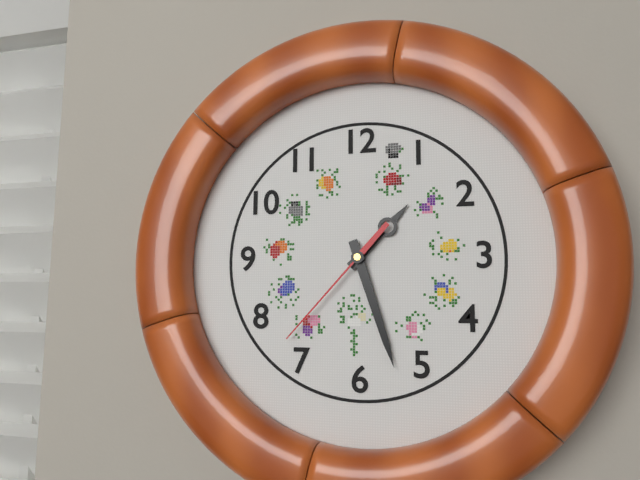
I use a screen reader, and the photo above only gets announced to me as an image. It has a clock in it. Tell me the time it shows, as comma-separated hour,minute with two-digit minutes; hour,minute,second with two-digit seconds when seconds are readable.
1,27,37
